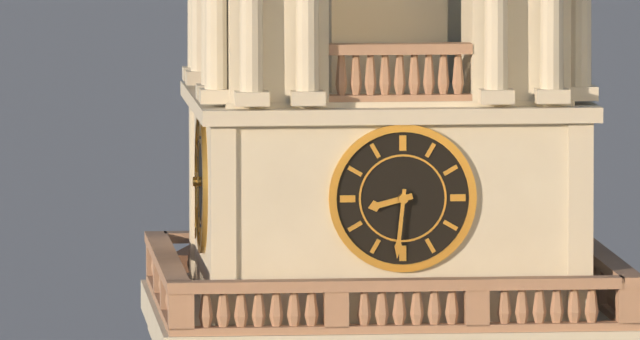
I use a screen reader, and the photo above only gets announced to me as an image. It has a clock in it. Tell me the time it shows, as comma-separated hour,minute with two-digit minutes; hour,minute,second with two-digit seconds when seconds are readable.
8,31
